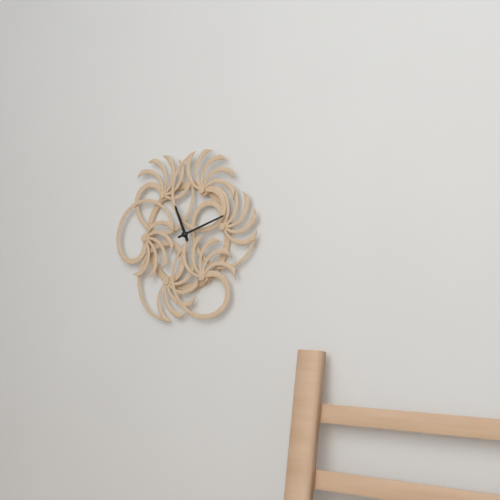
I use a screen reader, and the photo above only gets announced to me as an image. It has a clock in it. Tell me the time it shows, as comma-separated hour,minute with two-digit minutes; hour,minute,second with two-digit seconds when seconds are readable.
11,12
